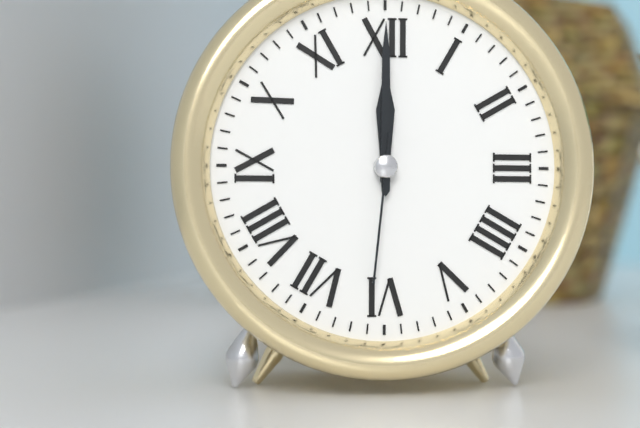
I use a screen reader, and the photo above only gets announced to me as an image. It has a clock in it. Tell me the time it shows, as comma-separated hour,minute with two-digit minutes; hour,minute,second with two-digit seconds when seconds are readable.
12,00,31
